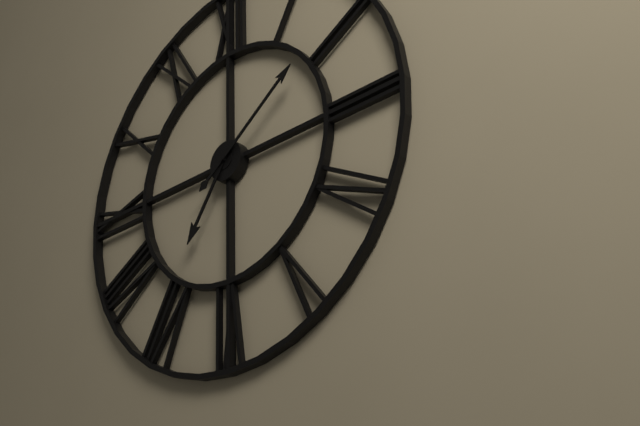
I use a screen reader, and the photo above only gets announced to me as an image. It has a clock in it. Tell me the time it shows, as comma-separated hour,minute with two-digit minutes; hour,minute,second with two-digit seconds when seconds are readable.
7,09
